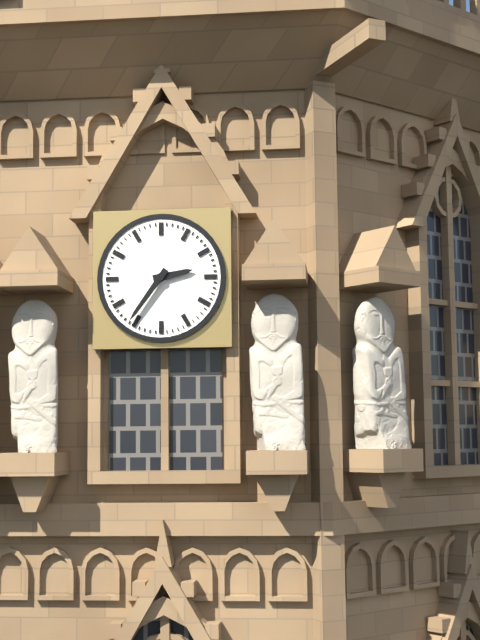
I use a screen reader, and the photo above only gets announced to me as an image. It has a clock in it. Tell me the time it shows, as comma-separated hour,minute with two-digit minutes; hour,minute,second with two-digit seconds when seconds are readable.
2,36
